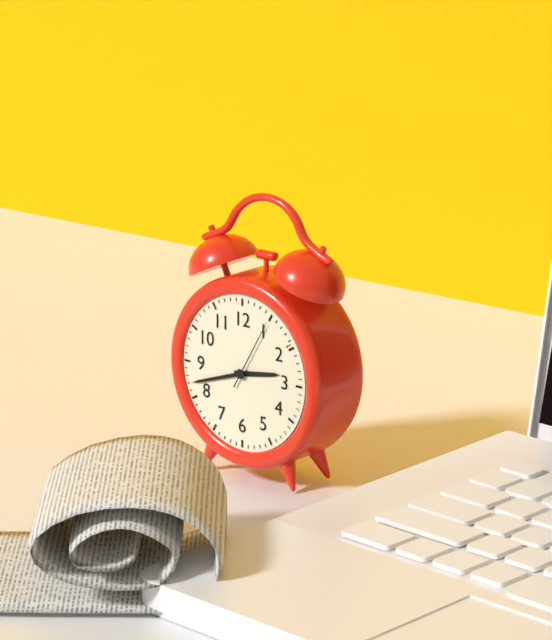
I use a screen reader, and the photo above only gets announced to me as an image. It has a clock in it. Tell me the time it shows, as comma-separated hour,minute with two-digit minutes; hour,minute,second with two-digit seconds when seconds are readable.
2,42,05
